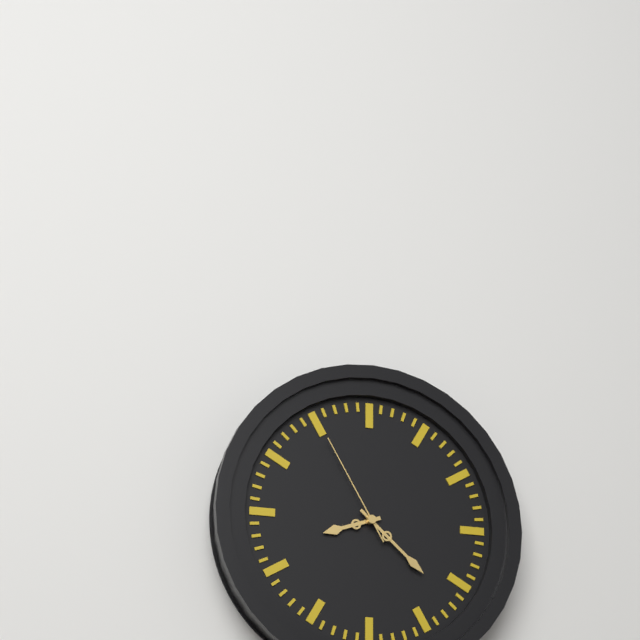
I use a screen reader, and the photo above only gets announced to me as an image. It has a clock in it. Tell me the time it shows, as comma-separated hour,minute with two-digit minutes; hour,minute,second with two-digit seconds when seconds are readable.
8,22,55
